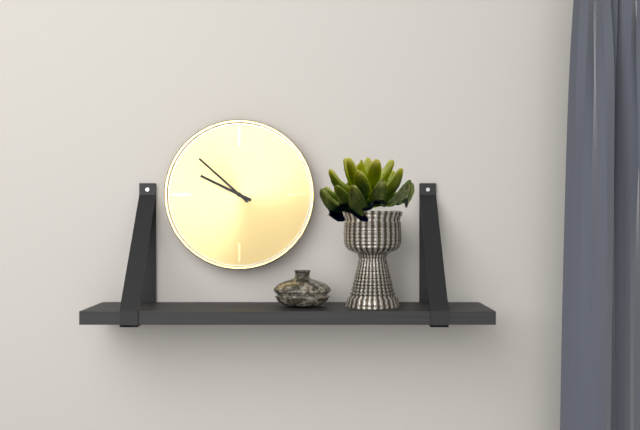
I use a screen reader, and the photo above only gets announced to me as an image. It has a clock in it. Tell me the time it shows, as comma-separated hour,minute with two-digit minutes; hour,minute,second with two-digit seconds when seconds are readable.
9,52
